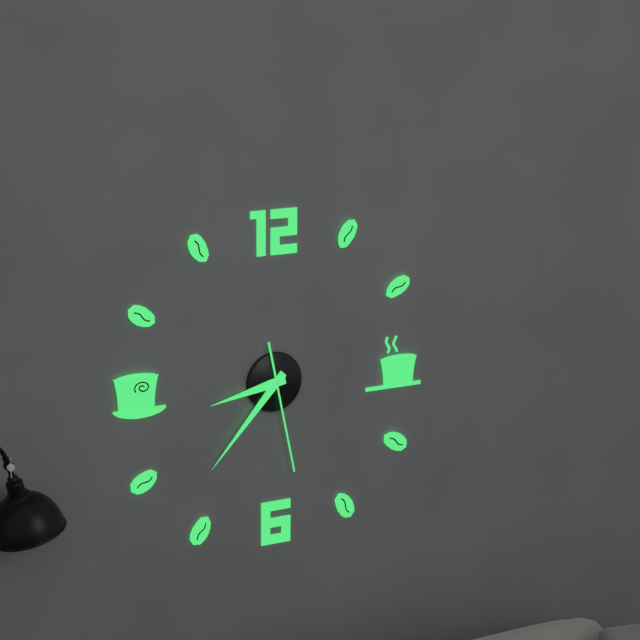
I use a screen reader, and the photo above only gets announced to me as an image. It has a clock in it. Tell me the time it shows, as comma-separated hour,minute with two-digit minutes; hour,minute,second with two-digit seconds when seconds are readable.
8,37,28
